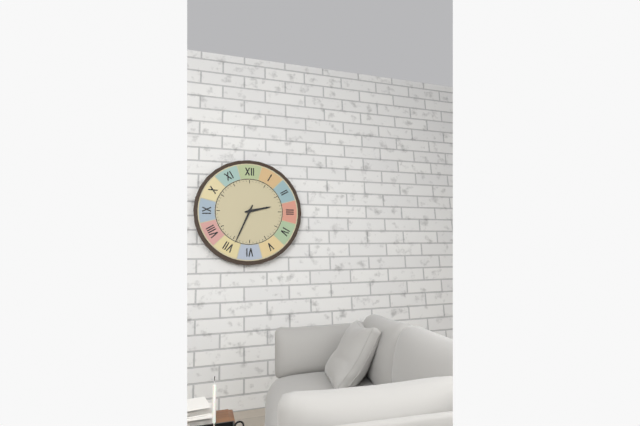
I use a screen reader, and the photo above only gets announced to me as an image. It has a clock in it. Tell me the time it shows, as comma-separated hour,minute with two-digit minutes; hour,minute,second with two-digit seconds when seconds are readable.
2,34
